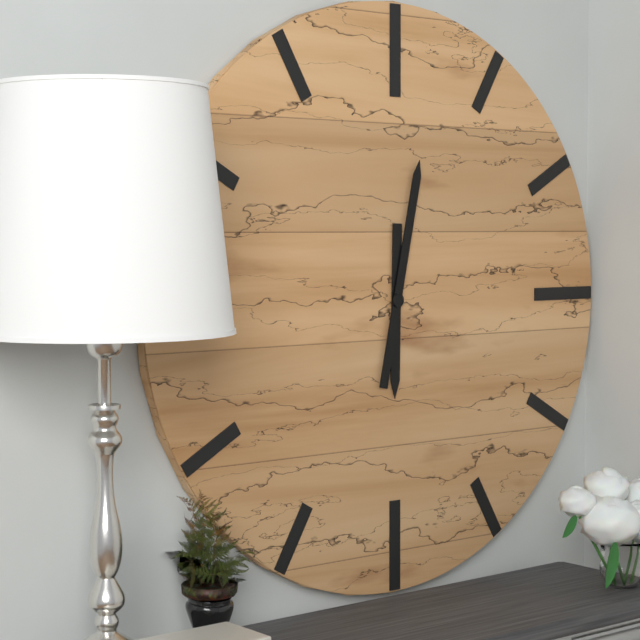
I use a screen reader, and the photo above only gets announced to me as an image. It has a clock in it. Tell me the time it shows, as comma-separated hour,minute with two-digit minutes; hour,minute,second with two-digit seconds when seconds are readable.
6,02
